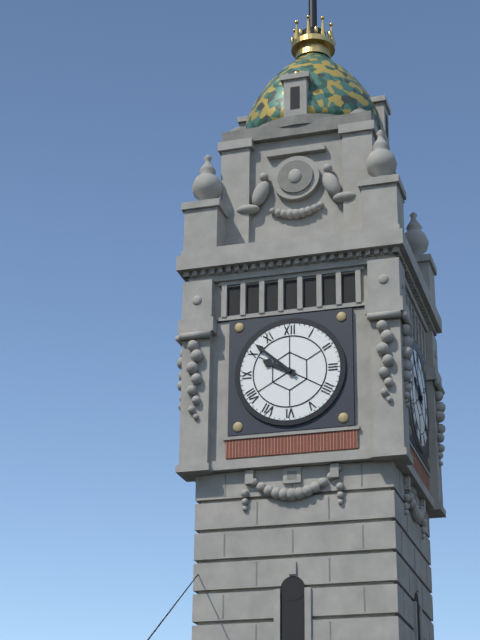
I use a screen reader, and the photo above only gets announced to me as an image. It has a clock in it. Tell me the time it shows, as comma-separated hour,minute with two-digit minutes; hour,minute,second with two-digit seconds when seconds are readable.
9,52
